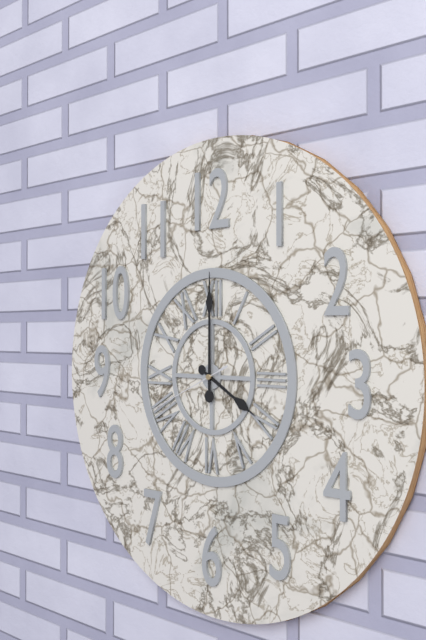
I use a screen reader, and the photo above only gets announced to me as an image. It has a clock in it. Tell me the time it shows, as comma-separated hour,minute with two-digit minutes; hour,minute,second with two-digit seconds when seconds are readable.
4,00,41
